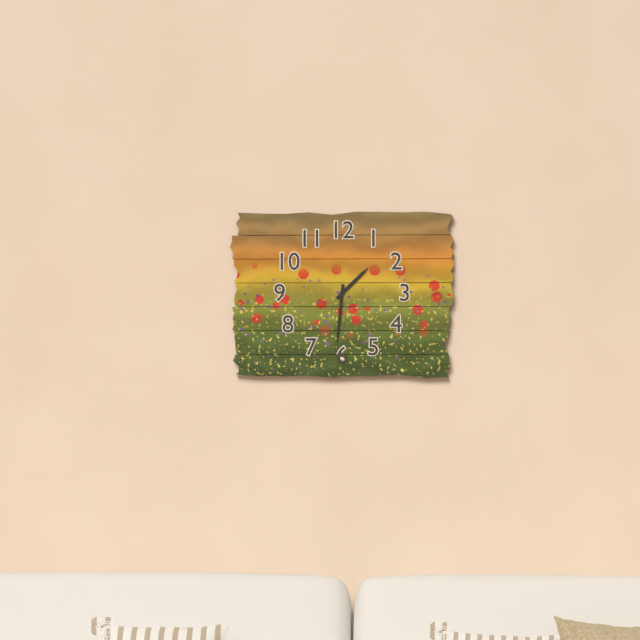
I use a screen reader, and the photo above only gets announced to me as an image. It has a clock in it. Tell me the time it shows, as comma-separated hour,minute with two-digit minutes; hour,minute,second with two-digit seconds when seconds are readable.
1,31
